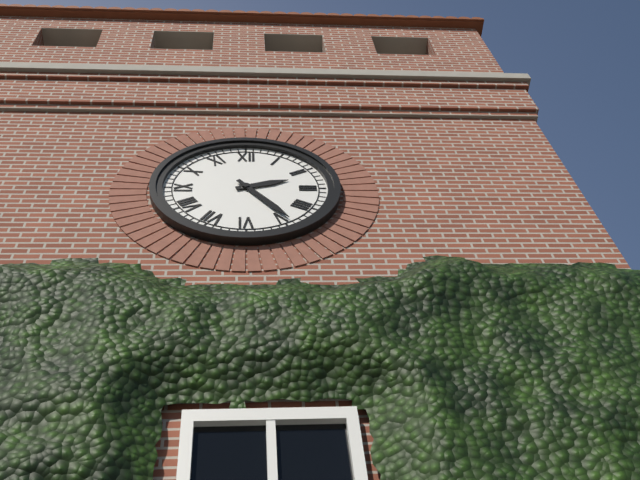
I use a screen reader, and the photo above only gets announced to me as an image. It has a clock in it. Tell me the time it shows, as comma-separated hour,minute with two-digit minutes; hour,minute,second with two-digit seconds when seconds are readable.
2,24
